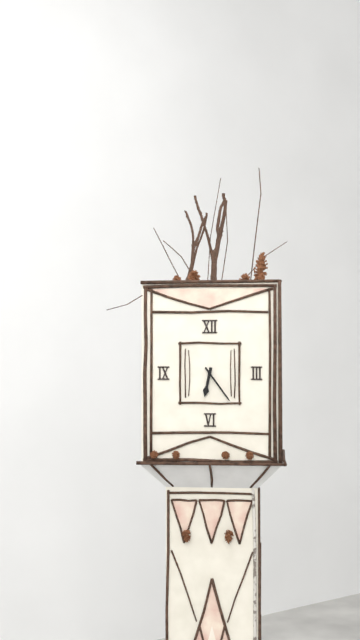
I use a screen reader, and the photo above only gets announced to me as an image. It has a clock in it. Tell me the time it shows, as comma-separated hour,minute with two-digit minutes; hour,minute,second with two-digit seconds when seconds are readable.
6,24
